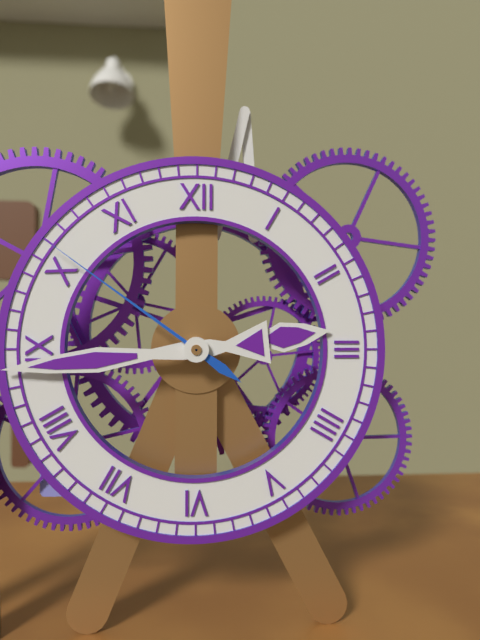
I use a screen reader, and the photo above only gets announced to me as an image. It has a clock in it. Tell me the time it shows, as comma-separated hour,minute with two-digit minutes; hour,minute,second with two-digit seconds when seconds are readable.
2,44,51
